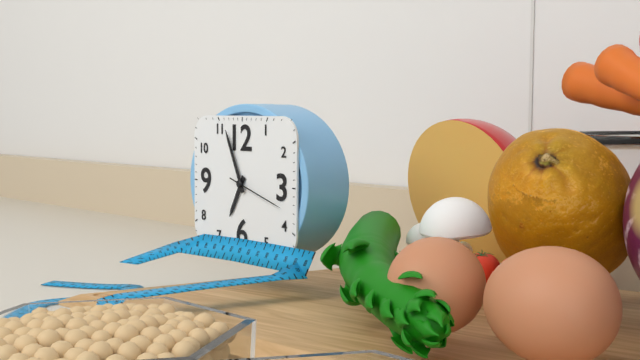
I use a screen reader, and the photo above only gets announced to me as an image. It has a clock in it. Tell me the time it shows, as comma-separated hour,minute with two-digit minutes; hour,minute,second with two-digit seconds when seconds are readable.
6,56,18
